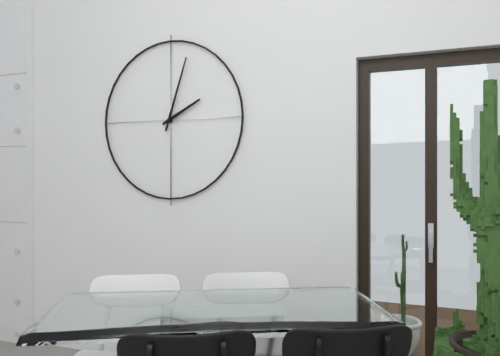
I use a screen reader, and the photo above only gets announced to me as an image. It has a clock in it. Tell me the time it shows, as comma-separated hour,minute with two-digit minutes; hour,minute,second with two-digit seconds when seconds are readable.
2,03
